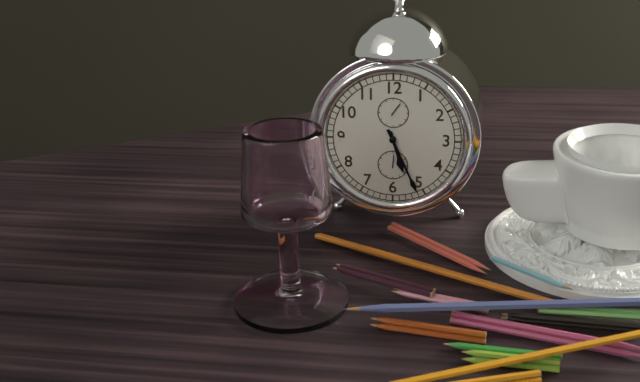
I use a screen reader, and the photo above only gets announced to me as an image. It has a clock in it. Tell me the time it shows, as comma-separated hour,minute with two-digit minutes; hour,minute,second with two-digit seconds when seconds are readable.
5,26
